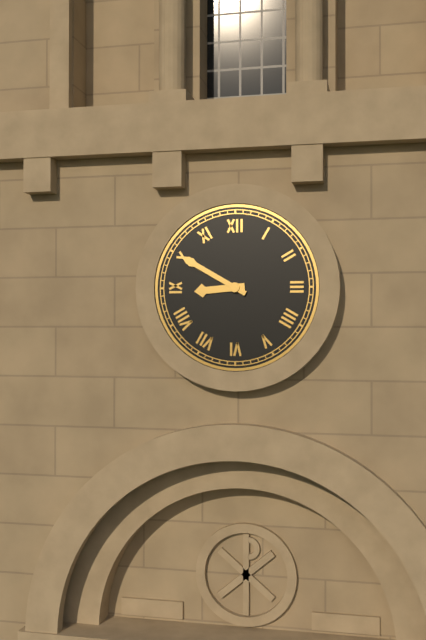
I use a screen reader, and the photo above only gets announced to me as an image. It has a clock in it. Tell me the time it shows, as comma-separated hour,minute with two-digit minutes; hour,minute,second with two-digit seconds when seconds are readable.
8,50
